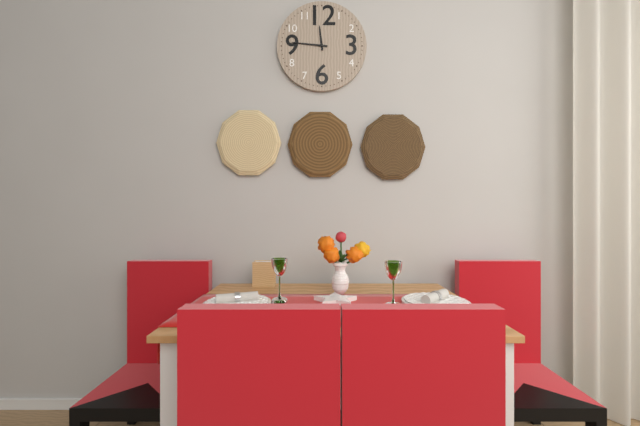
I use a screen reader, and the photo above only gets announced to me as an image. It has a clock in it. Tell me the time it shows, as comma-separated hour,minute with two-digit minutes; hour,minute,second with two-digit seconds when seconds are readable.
11,46
